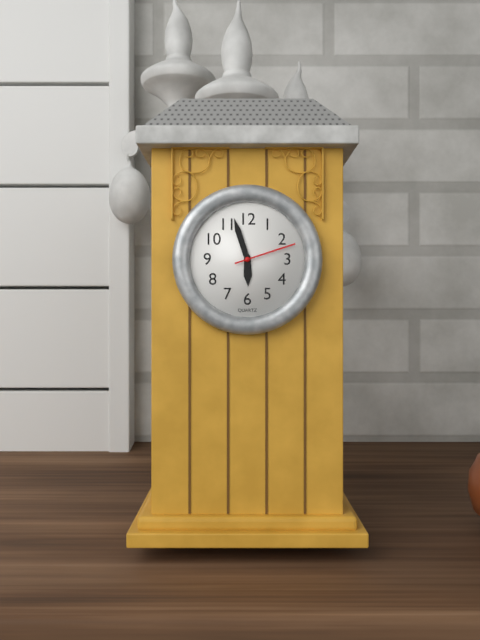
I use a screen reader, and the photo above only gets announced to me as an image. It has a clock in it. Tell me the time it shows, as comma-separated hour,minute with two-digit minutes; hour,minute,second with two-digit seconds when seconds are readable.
5,57,12
